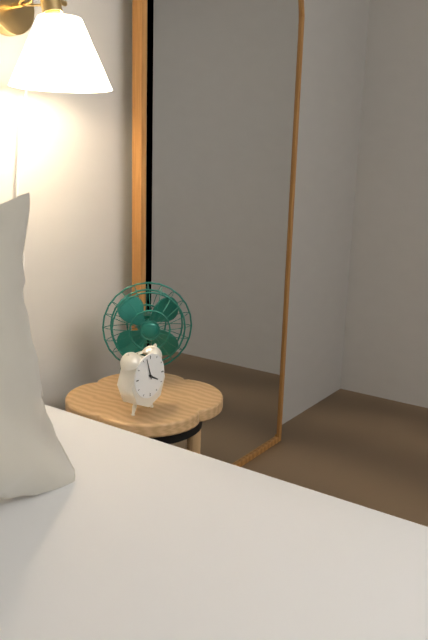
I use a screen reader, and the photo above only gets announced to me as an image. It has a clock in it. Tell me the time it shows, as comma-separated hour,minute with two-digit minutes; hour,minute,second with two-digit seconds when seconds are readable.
3,57
